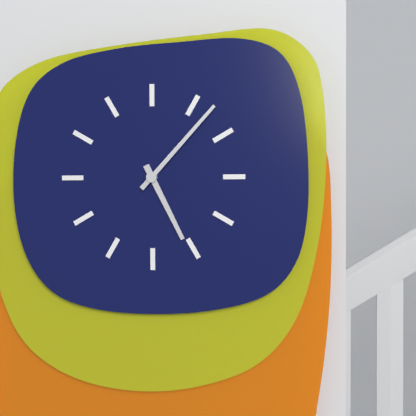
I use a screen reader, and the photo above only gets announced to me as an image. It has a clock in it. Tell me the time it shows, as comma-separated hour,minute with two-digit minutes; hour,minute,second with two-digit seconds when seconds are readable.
5,07
